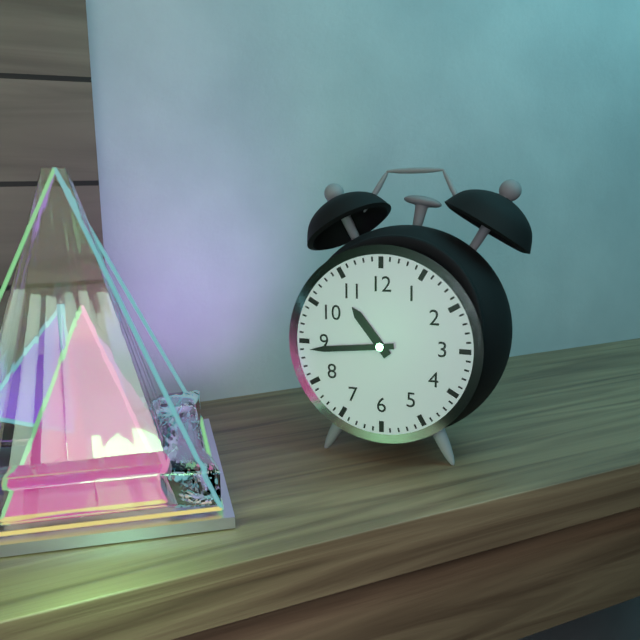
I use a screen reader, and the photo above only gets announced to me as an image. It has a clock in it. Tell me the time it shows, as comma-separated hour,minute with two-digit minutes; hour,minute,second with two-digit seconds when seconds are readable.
10,44
